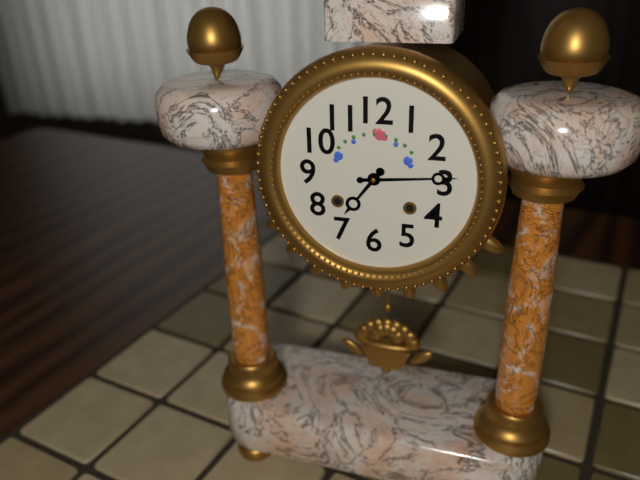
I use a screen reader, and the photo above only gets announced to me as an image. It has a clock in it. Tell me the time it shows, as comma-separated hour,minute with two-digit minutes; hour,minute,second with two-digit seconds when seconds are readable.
7,14
